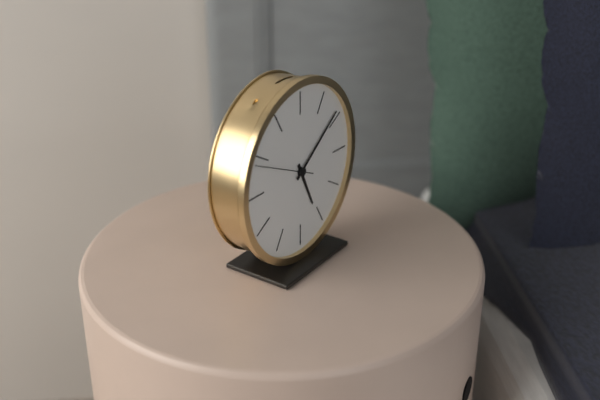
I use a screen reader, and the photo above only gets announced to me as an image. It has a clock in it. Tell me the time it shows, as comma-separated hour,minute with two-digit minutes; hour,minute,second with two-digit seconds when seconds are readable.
5,09,49
